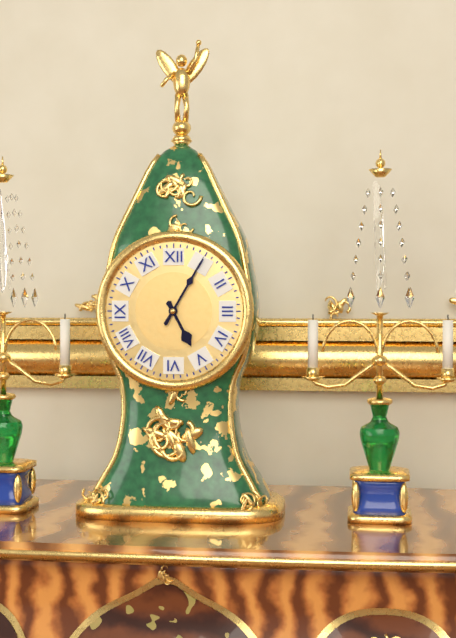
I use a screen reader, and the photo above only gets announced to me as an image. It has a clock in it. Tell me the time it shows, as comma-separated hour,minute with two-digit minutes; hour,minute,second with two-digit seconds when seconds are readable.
5,05
